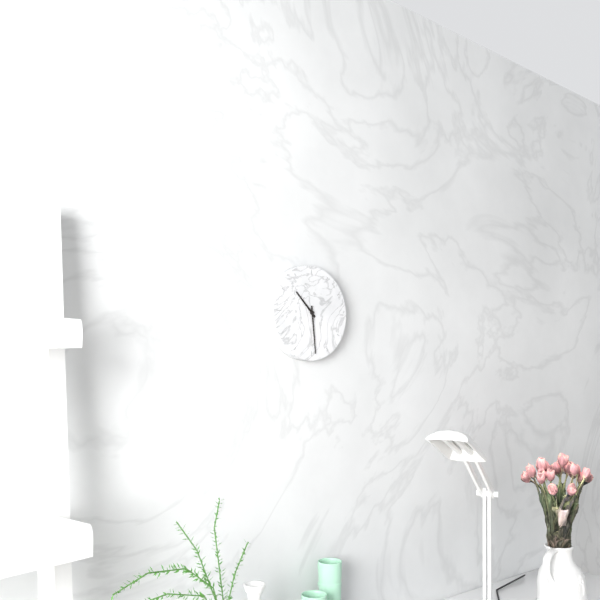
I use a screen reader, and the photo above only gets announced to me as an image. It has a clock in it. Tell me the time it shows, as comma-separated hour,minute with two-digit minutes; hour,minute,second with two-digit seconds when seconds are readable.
10,29
